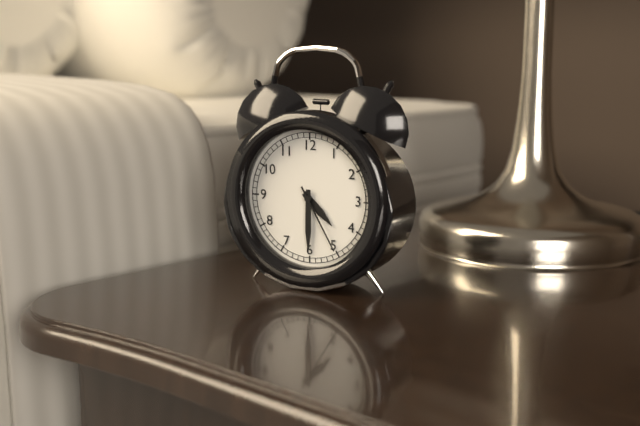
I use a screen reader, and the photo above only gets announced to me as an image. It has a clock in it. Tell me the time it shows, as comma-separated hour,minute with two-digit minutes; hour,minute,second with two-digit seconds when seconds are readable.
4,30,25
